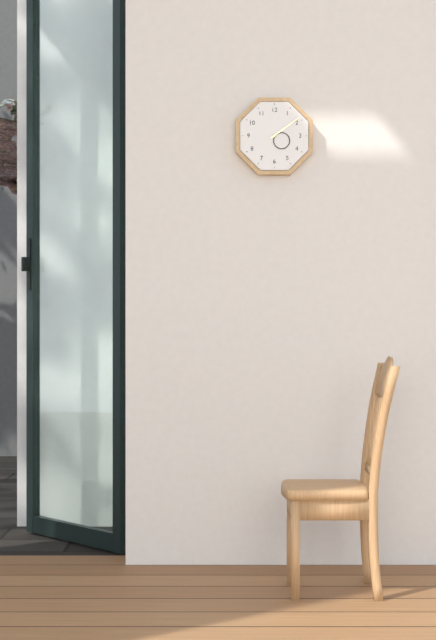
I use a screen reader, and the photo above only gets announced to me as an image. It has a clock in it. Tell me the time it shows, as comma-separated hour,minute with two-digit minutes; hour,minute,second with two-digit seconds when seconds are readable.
4,09
